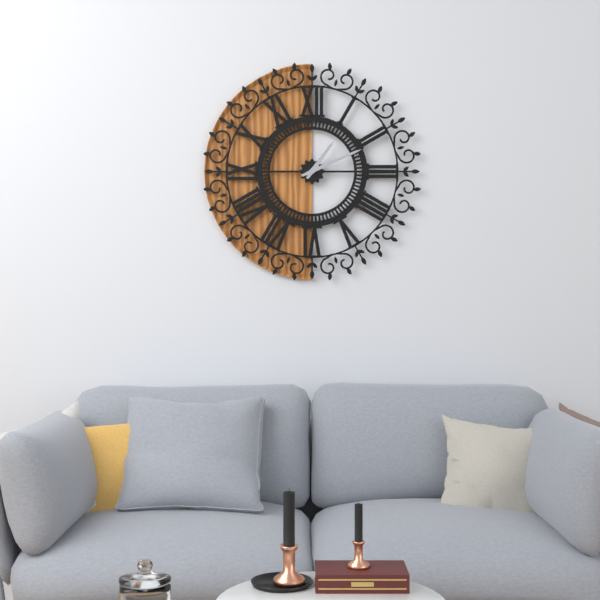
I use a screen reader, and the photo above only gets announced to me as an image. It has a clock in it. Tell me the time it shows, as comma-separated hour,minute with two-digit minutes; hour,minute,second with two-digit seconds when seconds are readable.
1,11
